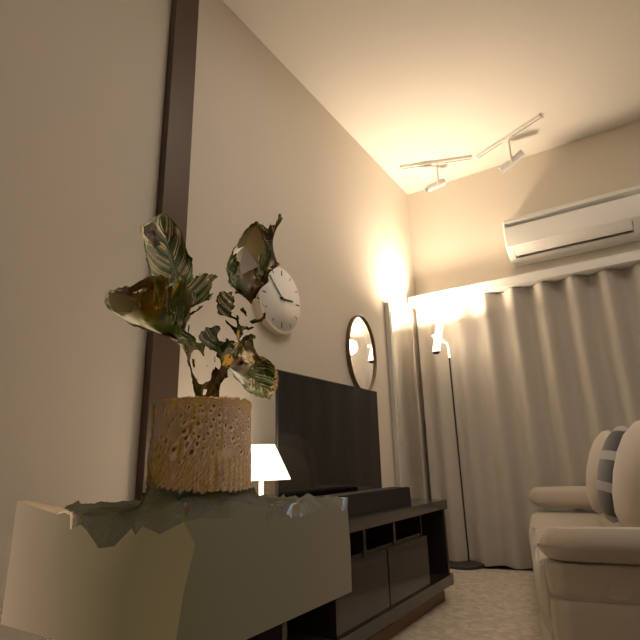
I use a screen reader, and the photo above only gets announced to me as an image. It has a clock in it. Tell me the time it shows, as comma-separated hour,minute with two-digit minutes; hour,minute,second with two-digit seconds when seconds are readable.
2,52
